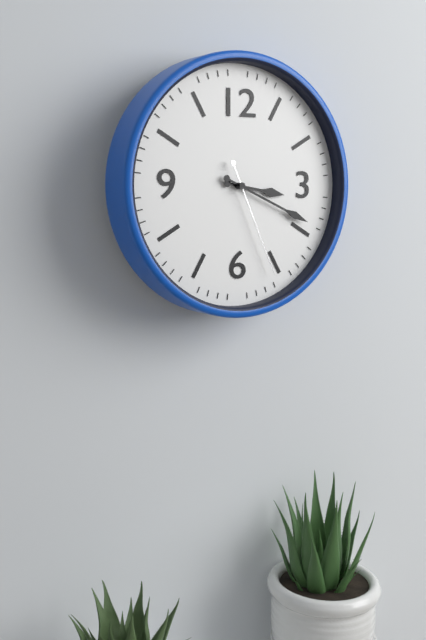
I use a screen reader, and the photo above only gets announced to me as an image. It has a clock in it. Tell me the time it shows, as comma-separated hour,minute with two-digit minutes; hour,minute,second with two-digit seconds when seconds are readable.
3,19,26
